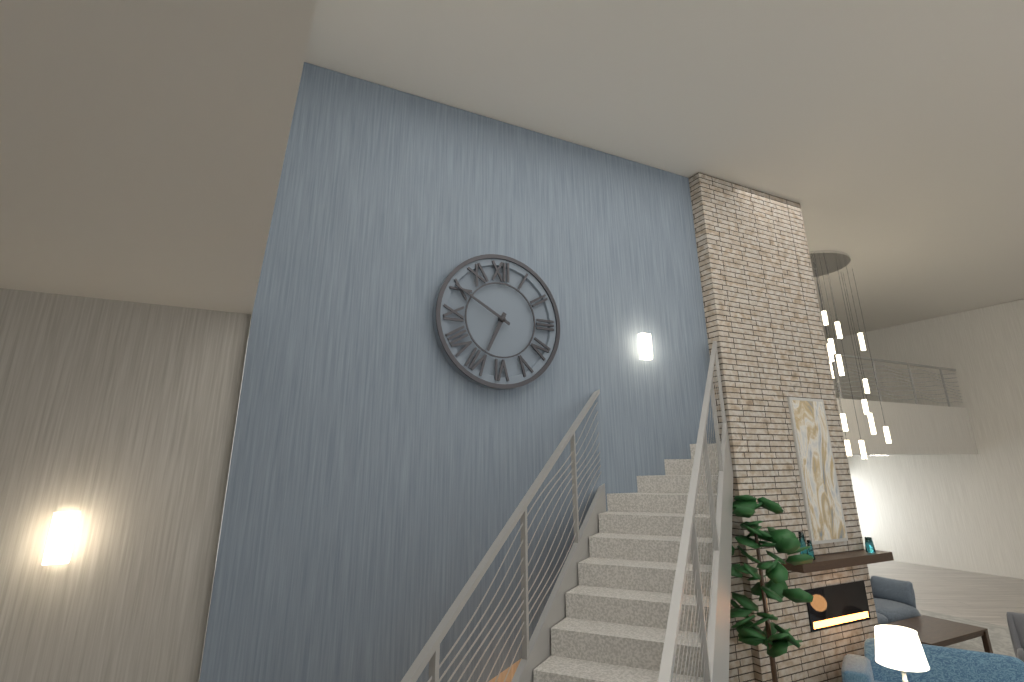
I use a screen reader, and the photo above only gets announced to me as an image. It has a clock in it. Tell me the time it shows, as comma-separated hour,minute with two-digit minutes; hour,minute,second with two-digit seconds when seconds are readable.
6,50
